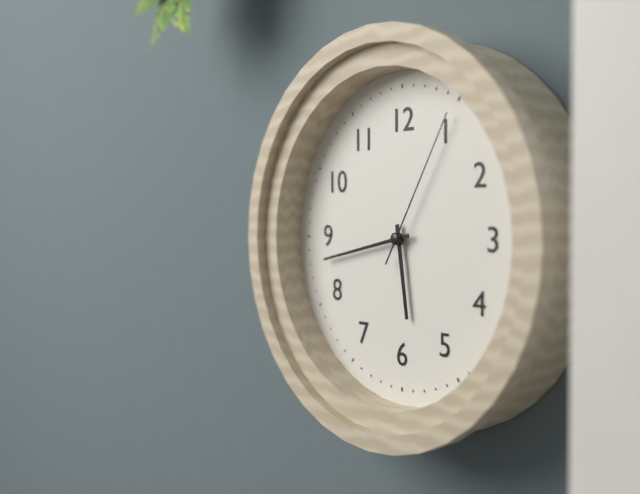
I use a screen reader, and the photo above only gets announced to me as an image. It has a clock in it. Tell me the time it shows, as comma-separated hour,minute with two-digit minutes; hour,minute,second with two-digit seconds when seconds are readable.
5,43,05
